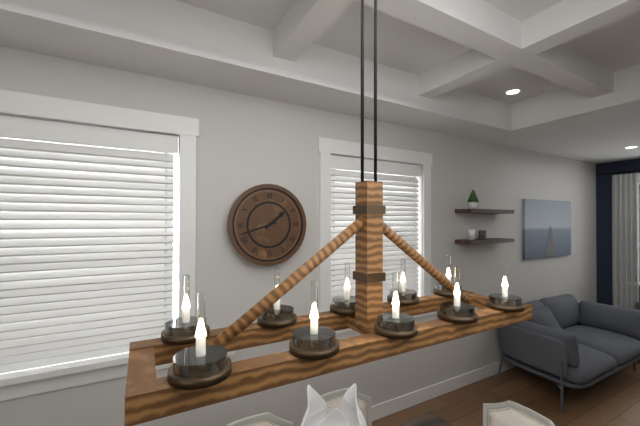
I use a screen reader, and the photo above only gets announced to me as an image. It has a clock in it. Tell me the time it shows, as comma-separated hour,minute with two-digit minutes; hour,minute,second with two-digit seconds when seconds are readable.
1,42
